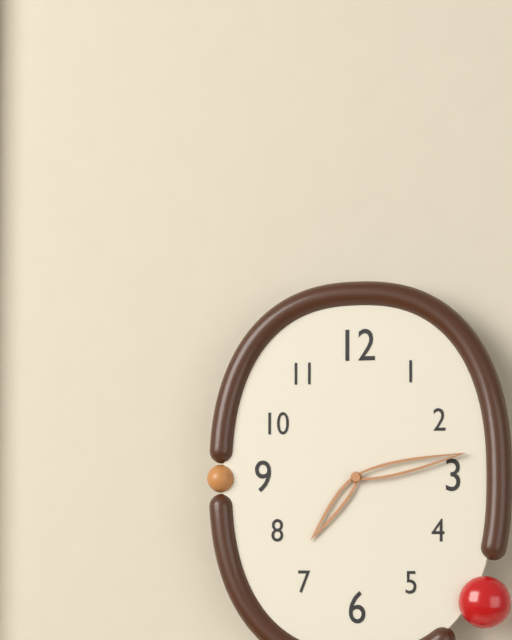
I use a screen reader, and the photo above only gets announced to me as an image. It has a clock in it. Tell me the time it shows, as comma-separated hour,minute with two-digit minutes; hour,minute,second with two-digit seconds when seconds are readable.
7,13
